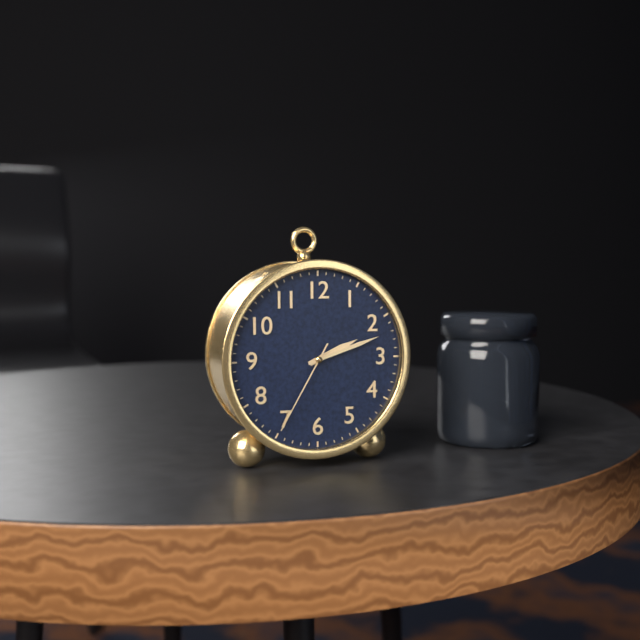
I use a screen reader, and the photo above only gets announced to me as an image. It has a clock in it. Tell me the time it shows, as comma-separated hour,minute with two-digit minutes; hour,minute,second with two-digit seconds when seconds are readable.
2,12,35
